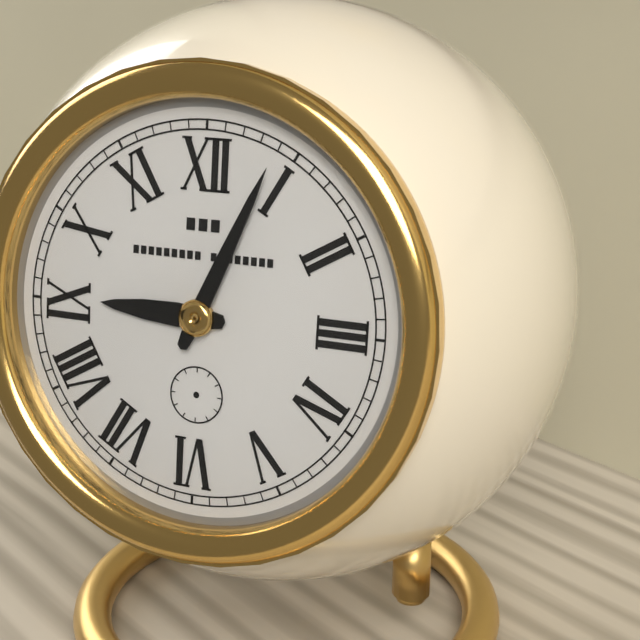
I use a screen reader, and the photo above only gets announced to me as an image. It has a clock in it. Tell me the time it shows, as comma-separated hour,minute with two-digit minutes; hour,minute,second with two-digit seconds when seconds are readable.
9,04
